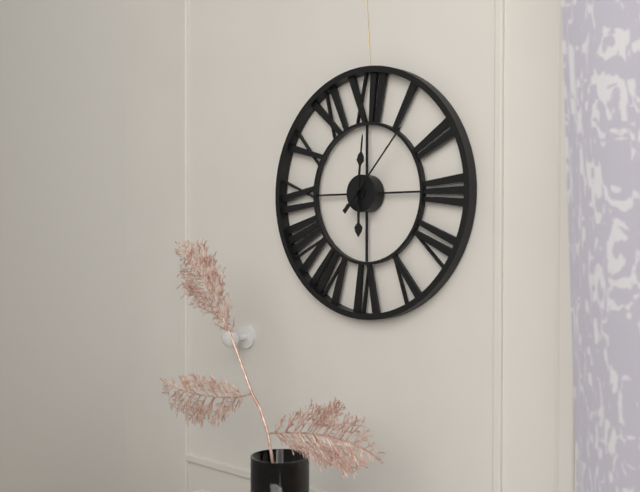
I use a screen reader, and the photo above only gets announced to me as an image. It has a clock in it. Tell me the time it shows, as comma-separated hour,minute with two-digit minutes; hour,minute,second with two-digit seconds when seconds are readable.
6,01,07
